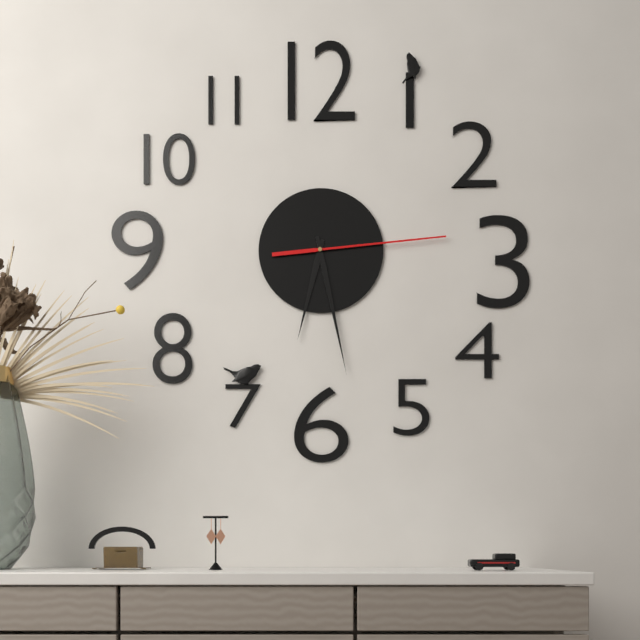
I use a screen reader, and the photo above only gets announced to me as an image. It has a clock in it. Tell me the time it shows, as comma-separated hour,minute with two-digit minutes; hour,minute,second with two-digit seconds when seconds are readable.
6,28,14
